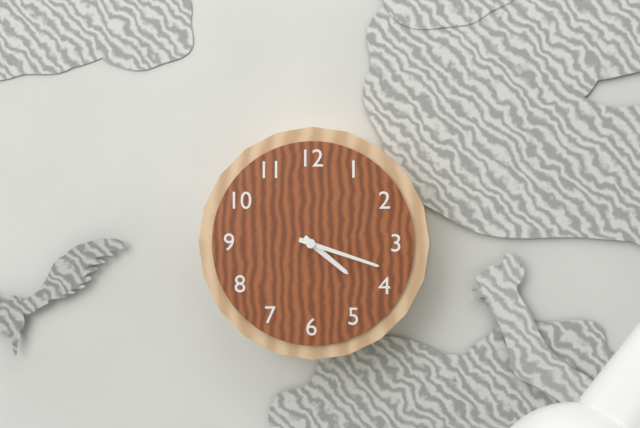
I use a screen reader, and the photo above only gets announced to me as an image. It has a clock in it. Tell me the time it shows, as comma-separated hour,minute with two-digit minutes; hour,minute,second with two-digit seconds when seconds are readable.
4,18
